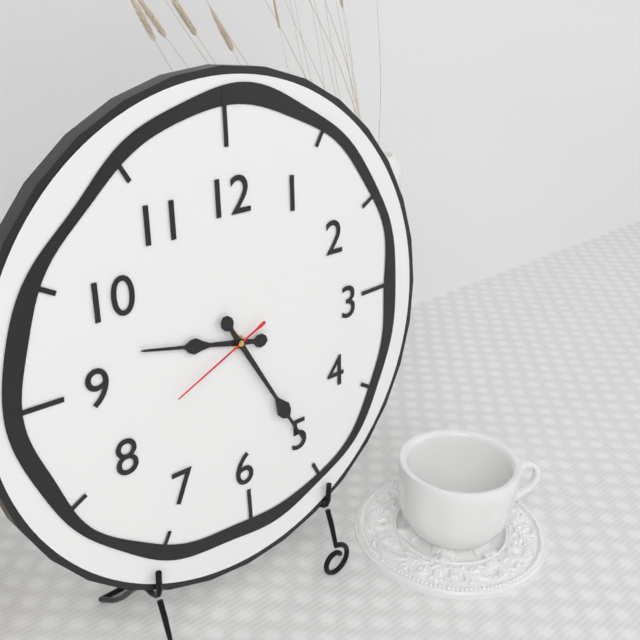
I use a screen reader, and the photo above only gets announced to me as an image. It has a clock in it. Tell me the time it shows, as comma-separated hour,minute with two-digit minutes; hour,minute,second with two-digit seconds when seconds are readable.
9,25,41
